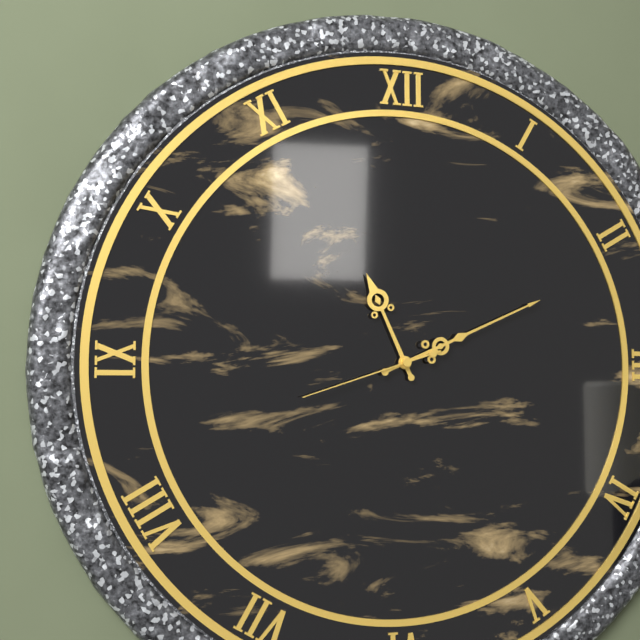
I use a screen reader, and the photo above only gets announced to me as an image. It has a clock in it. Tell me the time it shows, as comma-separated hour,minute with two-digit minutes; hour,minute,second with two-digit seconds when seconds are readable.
11,11,42
